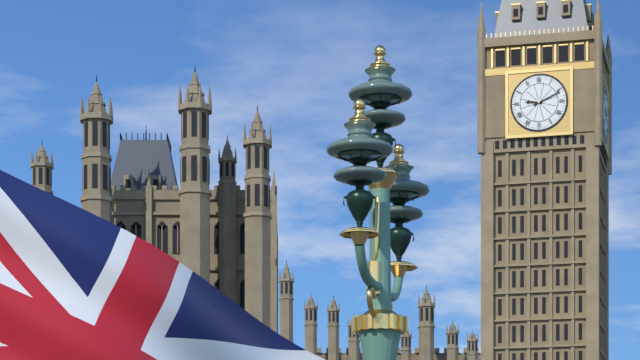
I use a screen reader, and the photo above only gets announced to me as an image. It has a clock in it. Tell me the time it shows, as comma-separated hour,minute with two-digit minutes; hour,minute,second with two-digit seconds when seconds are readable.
9,11
